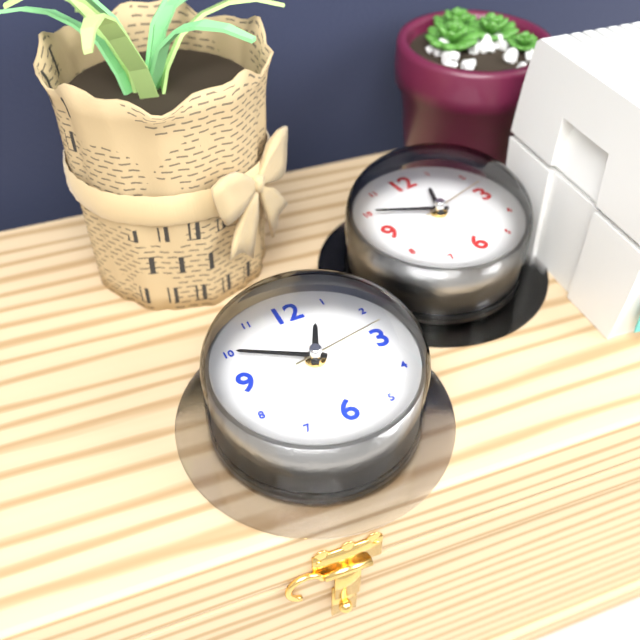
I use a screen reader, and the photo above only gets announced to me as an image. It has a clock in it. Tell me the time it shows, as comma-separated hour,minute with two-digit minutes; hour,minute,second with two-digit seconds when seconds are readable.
12,50,13
